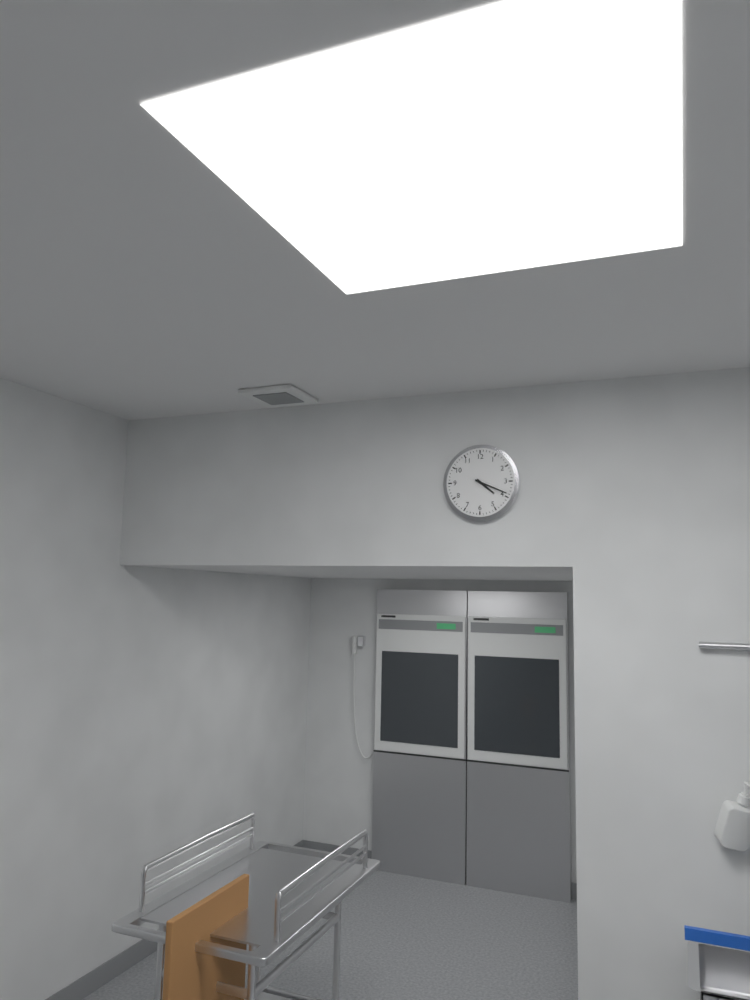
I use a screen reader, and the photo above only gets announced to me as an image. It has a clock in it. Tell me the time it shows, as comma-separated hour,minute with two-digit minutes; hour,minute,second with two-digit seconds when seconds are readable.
4,19
